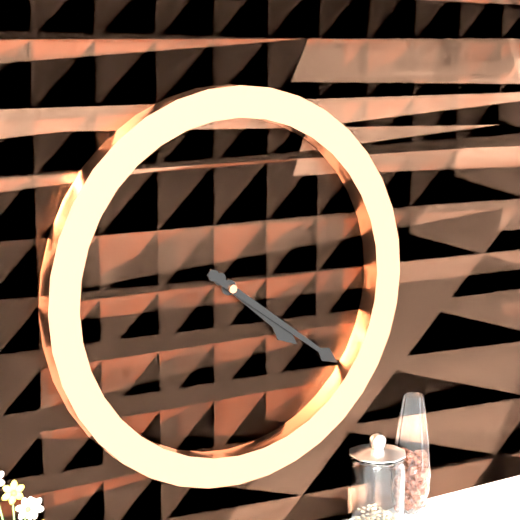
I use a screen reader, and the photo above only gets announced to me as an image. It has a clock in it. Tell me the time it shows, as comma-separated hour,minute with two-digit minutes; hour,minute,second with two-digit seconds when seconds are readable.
4,21
